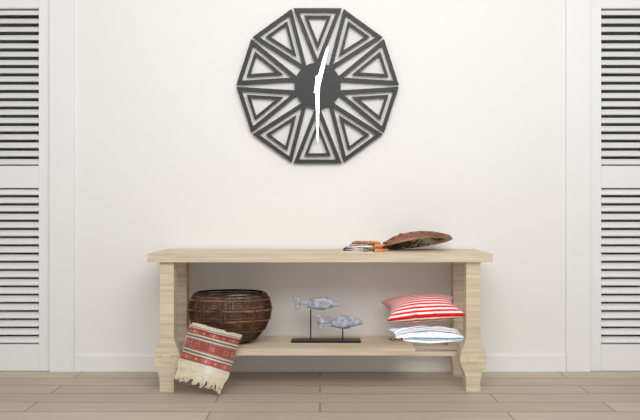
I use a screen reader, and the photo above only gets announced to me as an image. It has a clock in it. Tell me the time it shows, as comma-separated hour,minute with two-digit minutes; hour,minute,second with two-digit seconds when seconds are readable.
12,30
